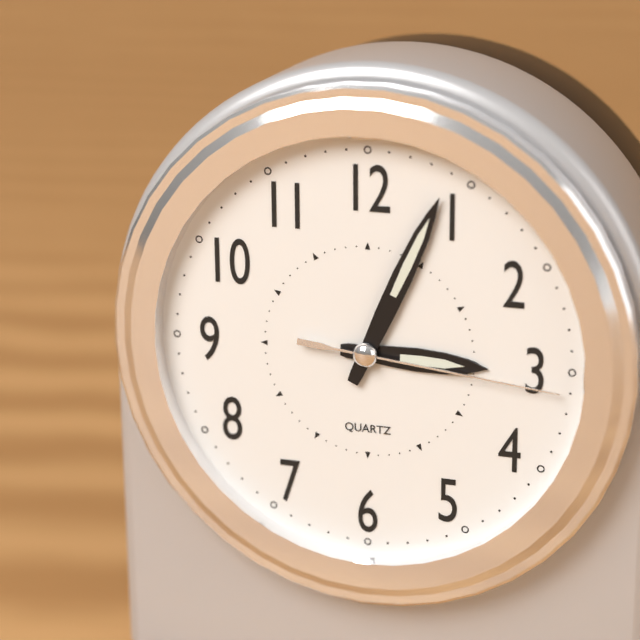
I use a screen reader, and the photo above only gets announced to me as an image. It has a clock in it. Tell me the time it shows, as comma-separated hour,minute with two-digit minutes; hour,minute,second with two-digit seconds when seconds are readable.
3,04,16
